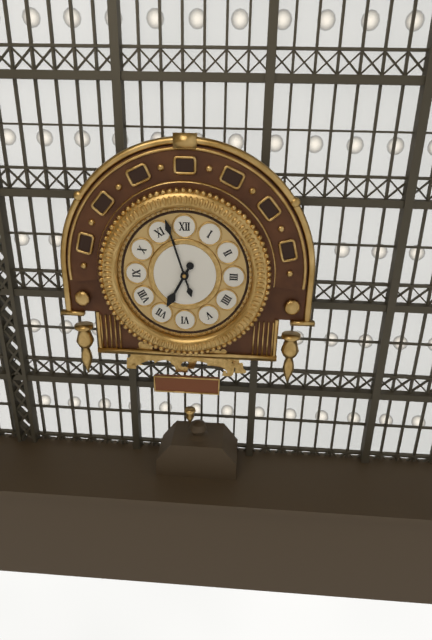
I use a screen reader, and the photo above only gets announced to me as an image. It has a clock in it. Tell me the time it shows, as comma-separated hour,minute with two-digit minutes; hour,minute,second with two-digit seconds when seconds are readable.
6,57
